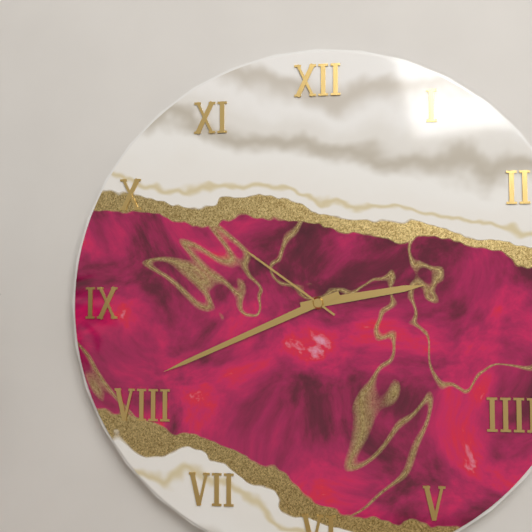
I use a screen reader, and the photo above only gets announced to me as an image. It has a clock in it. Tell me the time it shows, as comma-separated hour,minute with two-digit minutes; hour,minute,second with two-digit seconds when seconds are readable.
2,41,51
